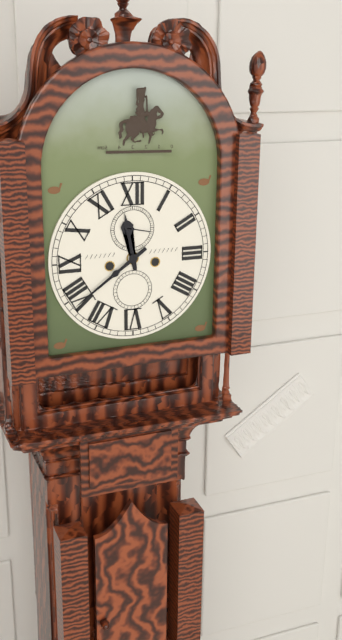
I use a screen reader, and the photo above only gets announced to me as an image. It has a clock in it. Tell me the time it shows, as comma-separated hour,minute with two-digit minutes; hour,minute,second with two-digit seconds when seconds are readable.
11,39
